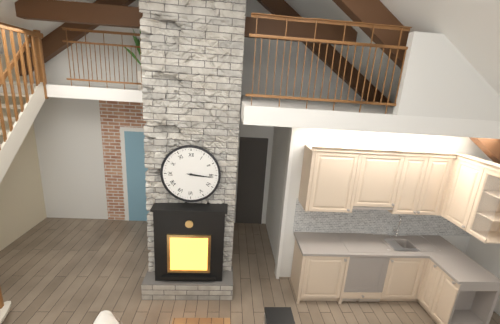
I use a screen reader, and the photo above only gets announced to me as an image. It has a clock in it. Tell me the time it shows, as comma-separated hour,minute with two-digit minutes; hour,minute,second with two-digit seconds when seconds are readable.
3,16
